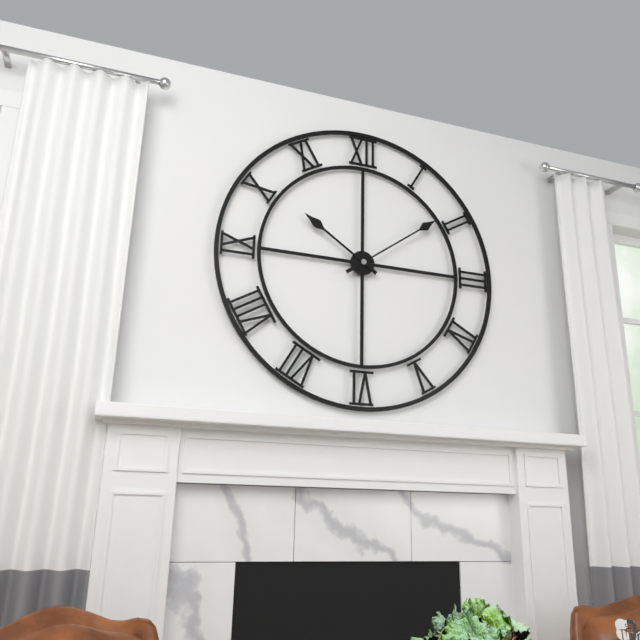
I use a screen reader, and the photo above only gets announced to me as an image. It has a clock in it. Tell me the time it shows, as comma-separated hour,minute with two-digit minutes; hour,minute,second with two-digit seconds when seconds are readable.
10,09
